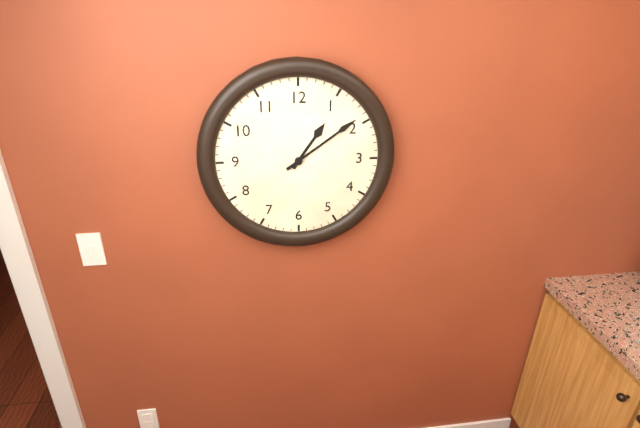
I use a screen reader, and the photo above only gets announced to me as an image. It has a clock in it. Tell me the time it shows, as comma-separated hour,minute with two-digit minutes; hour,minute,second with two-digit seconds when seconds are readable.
1,09
